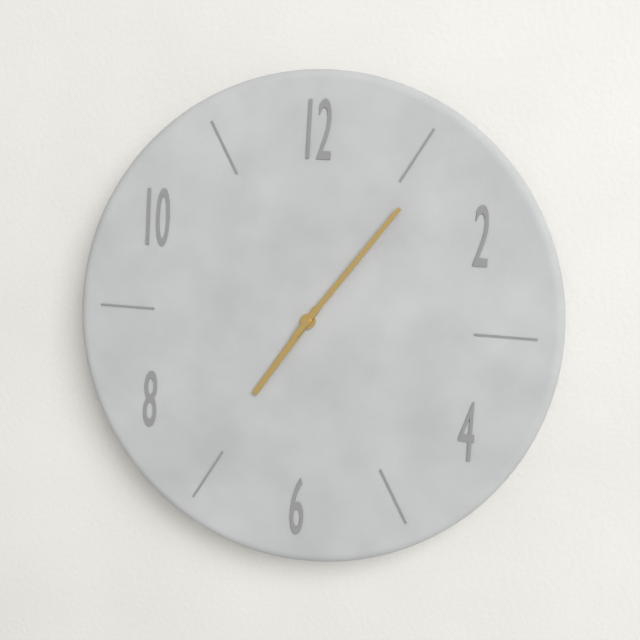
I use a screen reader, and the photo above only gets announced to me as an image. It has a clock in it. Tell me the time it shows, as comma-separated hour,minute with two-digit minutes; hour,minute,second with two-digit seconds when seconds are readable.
7,06
